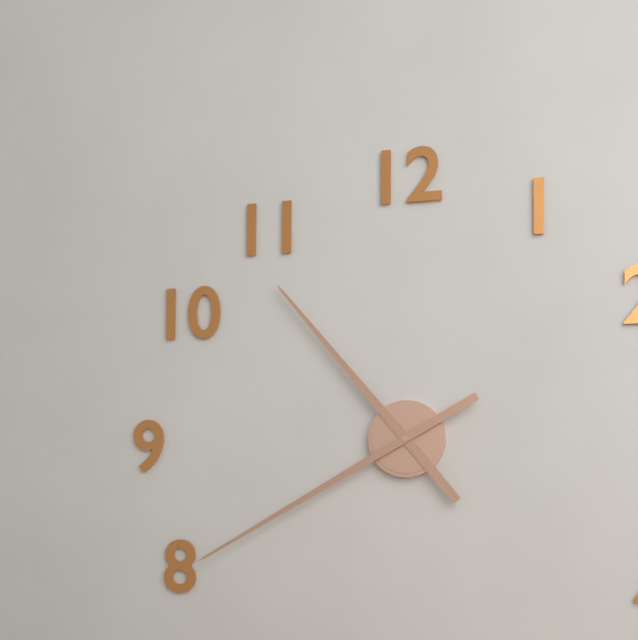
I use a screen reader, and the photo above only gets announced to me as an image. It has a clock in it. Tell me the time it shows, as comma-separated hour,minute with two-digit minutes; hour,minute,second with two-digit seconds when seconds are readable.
10,40
